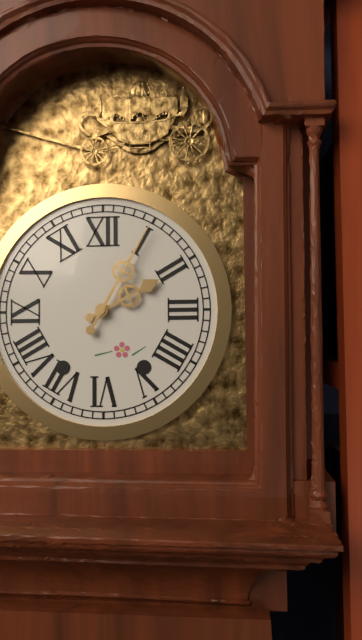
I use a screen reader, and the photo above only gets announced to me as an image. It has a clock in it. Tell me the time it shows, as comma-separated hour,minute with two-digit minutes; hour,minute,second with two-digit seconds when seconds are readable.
2,05
